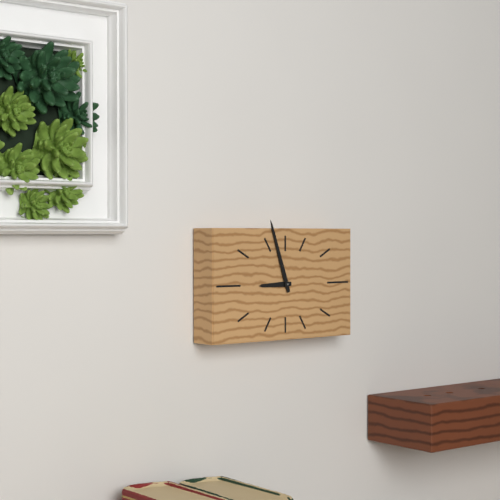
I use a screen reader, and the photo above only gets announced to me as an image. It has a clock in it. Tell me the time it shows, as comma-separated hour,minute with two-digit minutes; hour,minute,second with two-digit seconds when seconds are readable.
8,57
